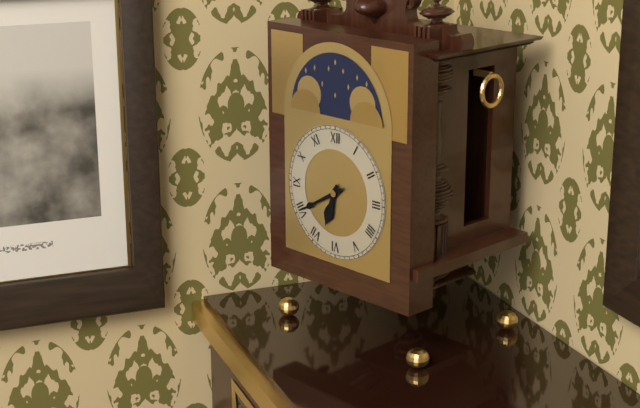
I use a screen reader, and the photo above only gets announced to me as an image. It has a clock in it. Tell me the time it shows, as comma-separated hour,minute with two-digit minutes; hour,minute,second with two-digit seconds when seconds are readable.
6,40
